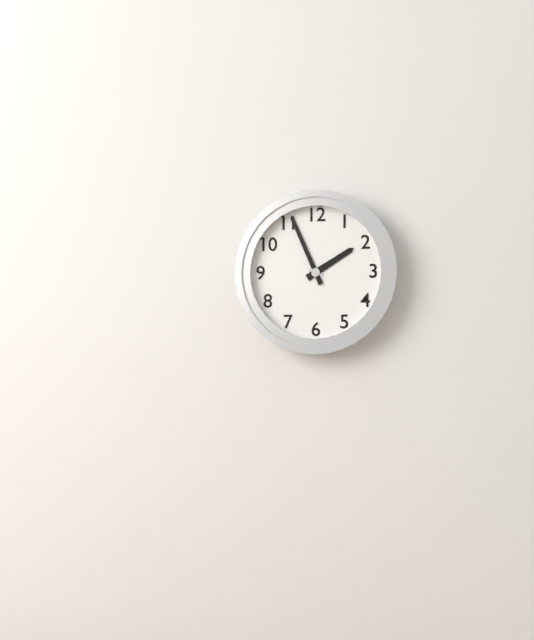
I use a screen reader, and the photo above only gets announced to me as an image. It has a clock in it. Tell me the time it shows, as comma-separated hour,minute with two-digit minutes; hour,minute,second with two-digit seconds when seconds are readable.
1,56
